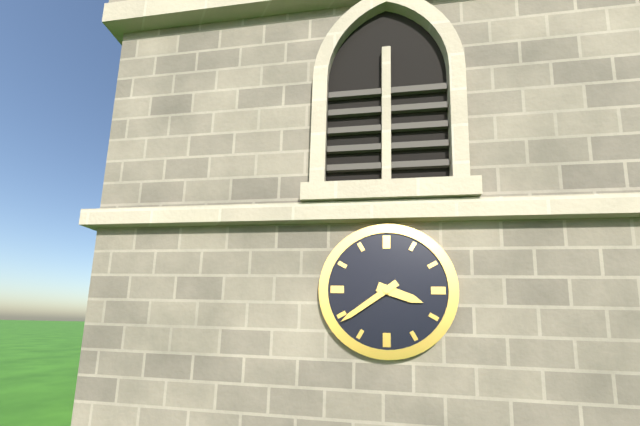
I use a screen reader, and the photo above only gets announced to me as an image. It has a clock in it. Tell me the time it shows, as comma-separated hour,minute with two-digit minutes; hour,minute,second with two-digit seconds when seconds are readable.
3,39
